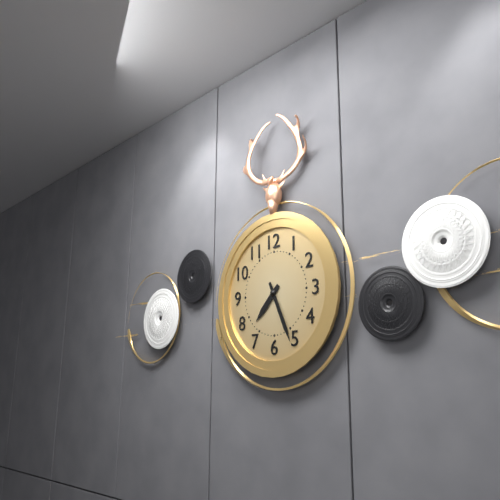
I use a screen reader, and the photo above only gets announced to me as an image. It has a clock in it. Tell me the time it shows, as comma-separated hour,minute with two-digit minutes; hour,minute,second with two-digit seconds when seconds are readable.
7,26
